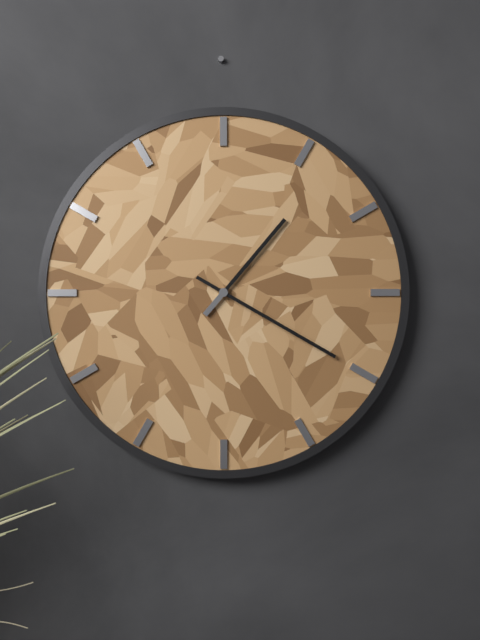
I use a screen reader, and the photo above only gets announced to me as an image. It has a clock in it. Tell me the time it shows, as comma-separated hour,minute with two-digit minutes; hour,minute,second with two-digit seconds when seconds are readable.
1,20
